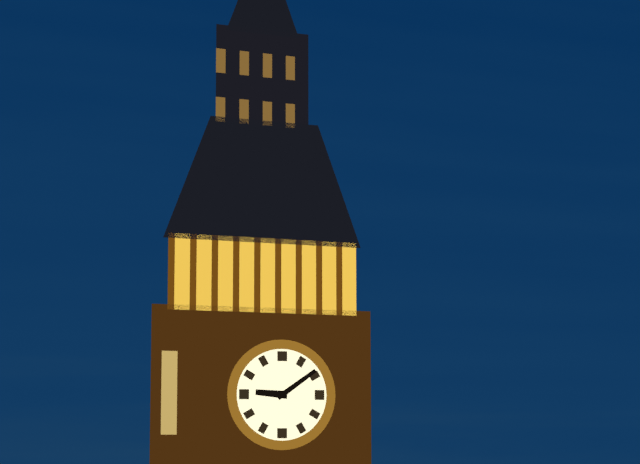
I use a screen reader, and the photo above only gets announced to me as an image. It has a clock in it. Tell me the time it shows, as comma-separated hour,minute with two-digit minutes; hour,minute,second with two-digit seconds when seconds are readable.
9,09
